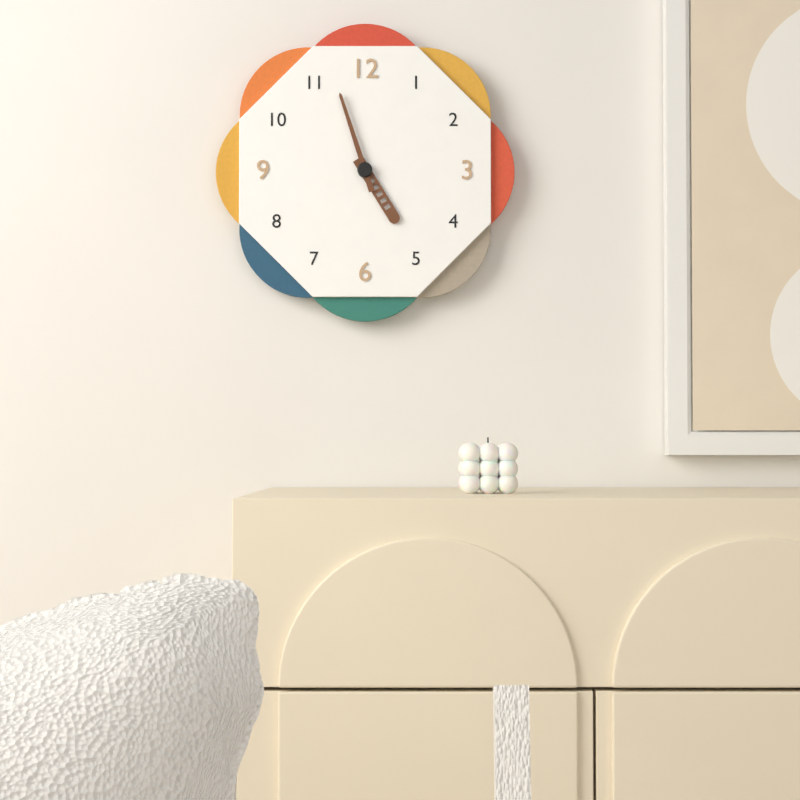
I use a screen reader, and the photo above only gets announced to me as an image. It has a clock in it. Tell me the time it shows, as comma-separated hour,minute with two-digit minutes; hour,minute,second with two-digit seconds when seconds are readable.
4,57
